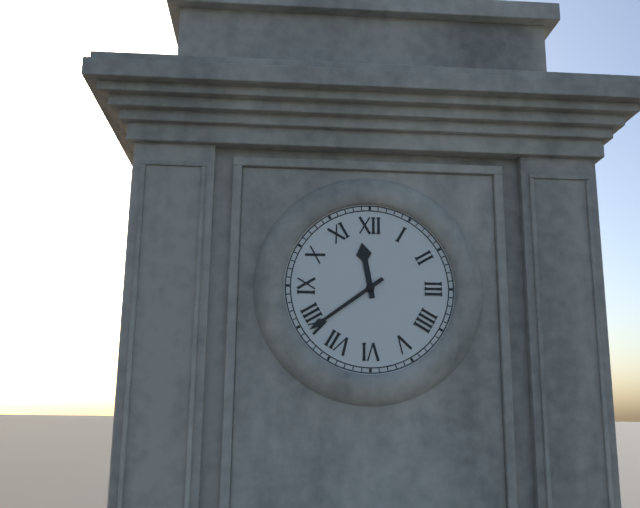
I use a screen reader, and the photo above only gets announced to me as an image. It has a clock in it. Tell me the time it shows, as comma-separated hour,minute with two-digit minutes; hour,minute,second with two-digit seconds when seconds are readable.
11,39
